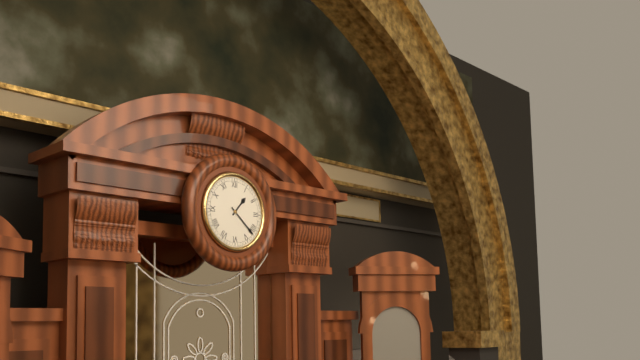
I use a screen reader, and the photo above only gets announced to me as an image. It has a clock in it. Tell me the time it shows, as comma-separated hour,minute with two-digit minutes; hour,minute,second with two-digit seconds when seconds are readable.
1,22
